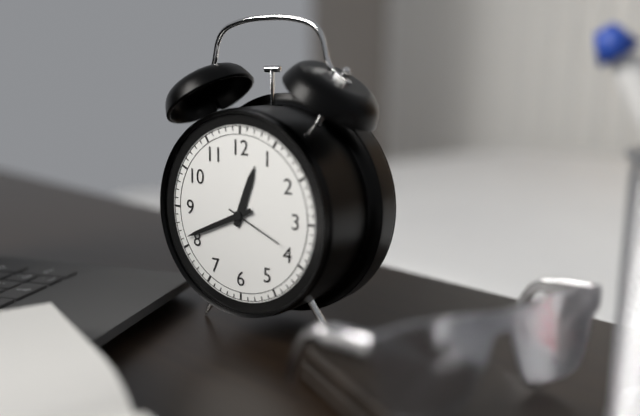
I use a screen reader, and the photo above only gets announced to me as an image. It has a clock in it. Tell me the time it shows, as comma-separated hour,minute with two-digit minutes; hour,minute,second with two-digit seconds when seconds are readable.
12,41
